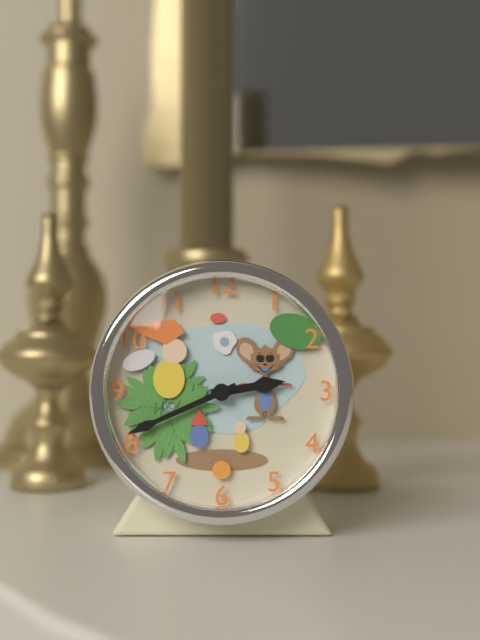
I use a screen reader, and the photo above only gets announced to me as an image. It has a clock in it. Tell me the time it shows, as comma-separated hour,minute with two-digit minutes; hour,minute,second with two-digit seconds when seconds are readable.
2,41
